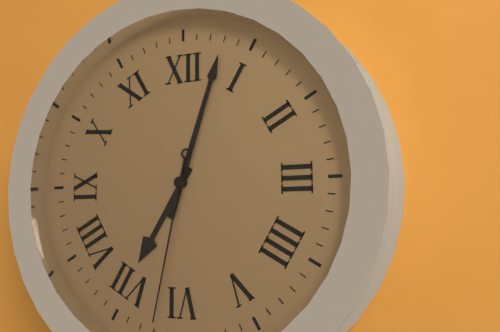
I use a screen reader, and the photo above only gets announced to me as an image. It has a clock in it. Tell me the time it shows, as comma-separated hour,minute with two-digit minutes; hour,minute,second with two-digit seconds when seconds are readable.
7,03,32
